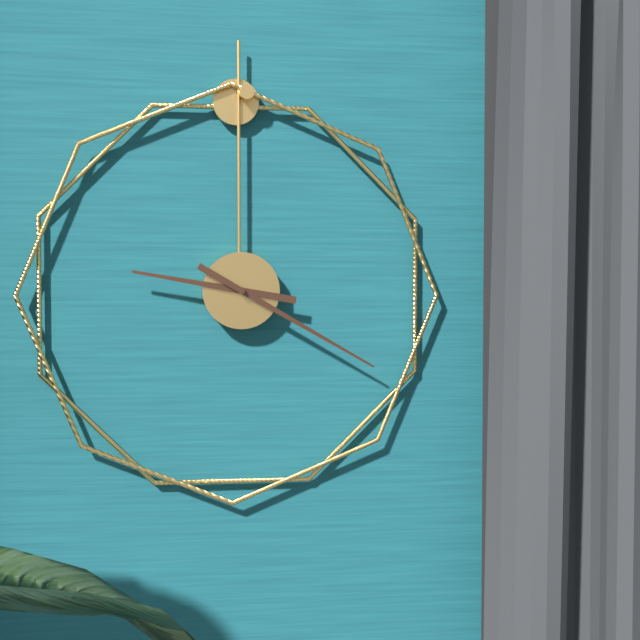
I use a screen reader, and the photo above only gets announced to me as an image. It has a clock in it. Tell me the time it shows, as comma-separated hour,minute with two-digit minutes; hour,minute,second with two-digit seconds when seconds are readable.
9,20
